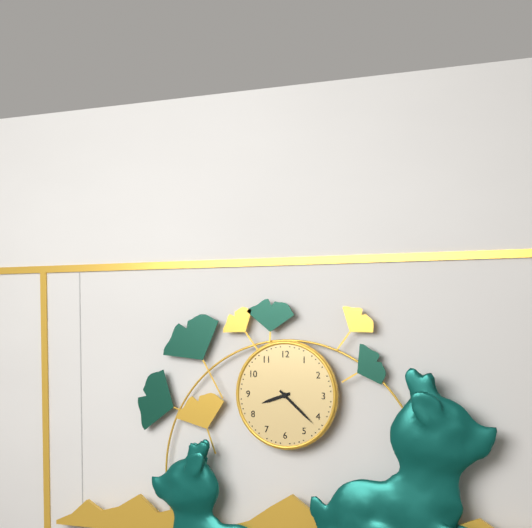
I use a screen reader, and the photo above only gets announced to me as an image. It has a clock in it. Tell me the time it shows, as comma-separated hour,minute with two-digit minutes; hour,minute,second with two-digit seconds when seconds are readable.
8,22
